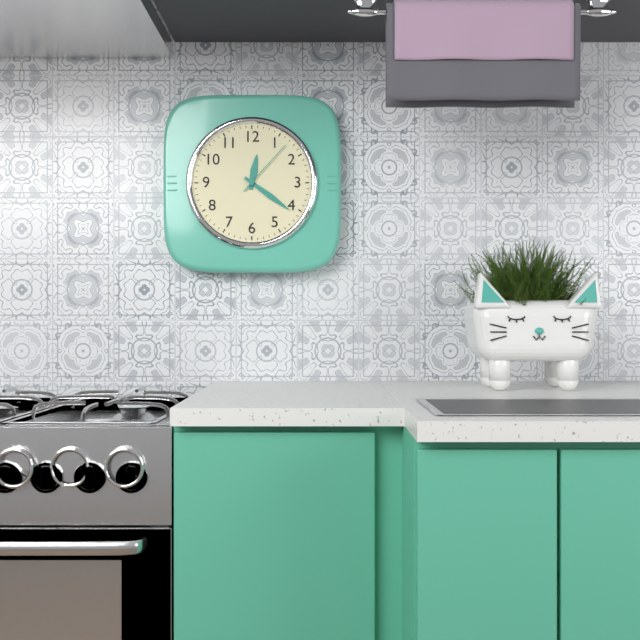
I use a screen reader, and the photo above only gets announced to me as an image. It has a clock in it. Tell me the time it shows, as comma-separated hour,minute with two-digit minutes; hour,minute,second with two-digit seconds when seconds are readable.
12,21,07
